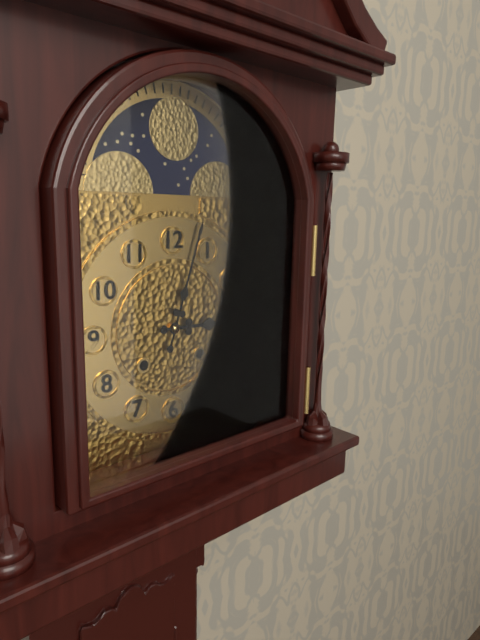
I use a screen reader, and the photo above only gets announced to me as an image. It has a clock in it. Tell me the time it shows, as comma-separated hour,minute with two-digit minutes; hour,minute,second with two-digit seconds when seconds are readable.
3,03
